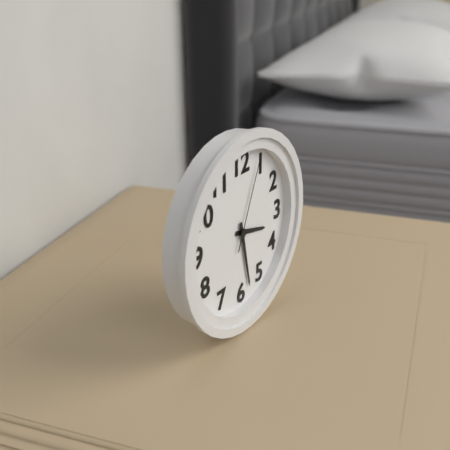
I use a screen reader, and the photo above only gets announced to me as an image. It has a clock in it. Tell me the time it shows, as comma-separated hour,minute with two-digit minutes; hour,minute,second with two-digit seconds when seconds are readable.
3,28,04
